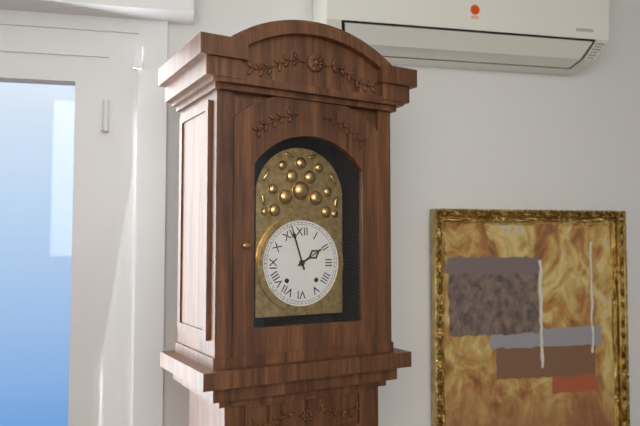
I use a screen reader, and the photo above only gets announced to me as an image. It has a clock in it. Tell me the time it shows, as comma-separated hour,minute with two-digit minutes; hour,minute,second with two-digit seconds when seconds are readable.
1,57
